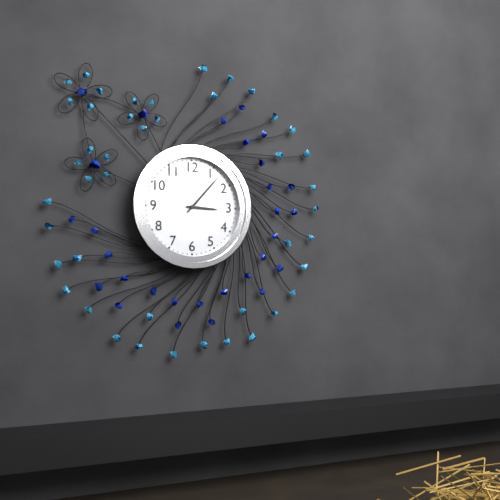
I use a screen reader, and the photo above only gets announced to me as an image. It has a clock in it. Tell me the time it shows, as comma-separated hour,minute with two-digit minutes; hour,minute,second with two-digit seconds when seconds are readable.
3,07
